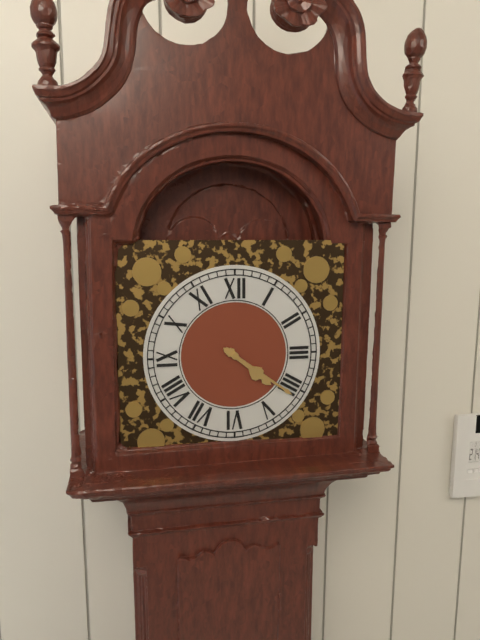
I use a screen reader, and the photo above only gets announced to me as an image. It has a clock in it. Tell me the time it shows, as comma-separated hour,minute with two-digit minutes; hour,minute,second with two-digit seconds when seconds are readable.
4,21
